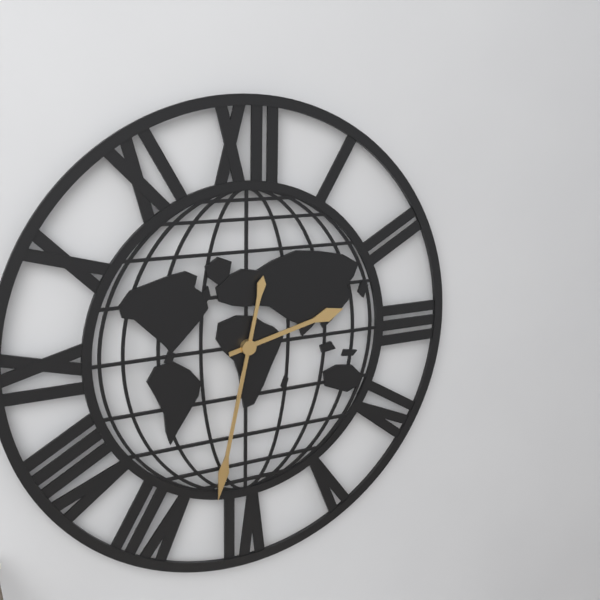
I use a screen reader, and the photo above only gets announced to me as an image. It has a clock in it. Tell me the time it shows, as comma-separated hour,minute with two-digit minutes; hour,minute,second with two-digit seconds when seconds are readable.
2,32
